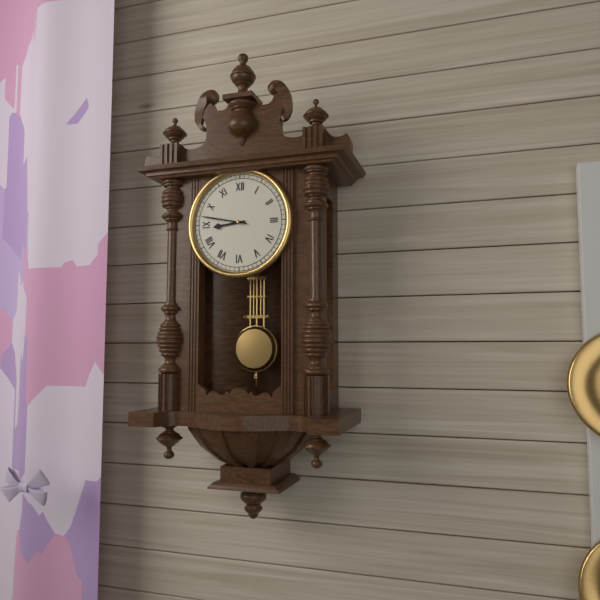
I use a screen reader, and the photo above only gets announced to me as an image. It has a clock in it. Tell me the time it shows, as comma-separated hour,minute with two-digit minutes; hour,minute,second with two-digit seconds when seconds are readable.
8,47
